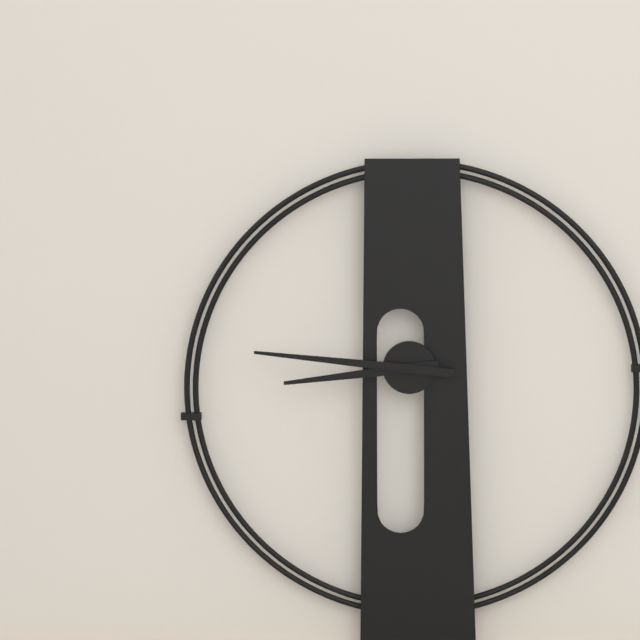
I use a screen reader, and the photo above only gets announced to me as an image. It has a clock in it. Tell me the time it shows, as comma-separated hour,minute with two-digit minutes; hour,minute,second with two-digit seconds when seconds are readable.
8,46
